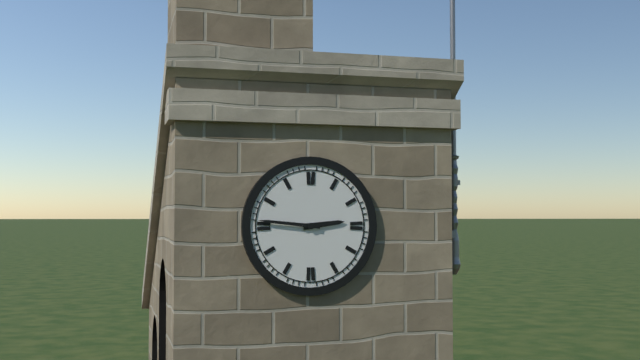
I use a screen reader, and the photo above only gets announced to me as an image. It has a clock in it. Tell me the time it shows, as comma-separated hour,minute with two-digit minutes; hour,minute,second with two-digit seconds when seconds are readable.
2,46
